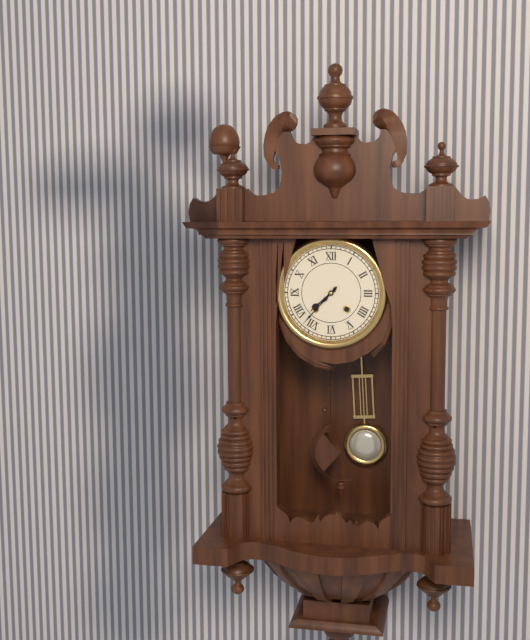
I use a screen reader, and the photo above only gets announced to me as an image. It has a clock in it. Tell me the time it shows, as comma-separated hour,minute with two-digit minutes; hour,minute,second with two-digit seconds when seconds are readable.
7,37
